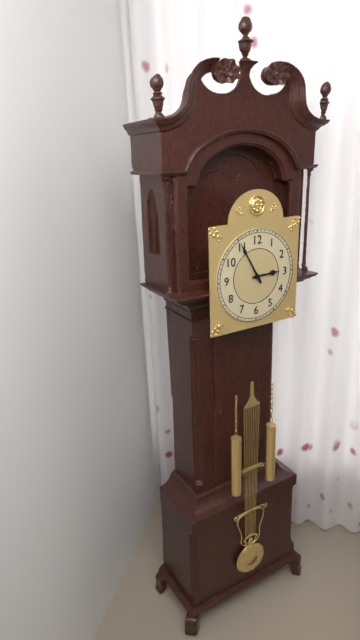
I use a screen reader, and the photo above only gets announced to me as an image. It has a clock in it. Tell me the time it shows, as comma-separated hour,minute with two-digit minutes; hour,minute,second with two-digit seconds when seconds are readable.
2,55
